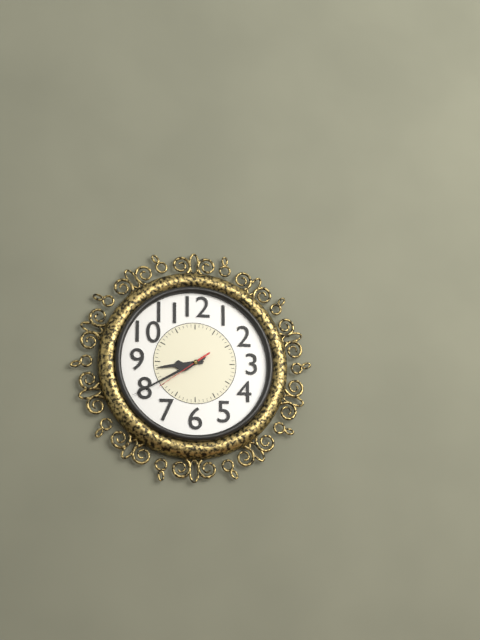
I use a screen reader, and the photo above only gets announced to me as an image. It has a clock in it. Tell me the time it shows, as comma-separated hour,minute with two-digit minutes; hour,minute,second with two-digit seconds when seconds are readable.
8,40,39
